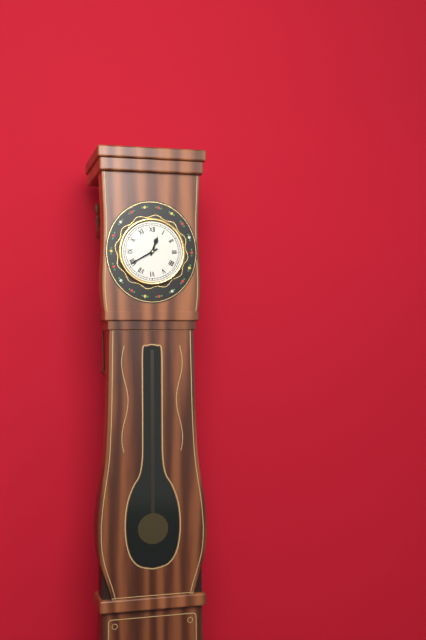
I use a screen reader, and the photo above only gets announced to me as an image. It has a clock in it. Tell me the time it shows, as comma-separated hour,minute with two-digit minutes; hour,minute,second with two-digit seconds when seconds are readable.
12,40
